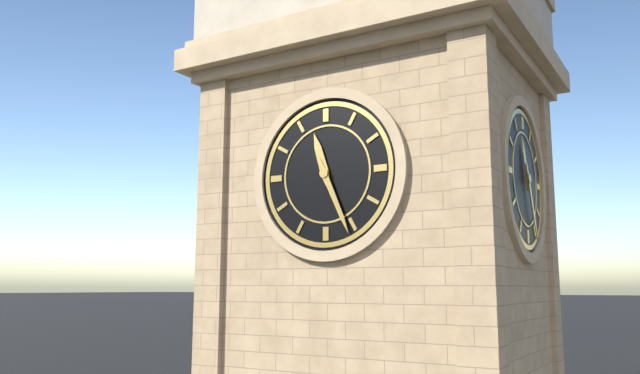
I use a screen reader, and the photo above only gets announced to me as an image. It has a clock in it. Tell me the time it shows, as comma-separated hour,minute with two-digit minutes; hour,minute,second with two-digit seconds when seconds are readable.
11,26
